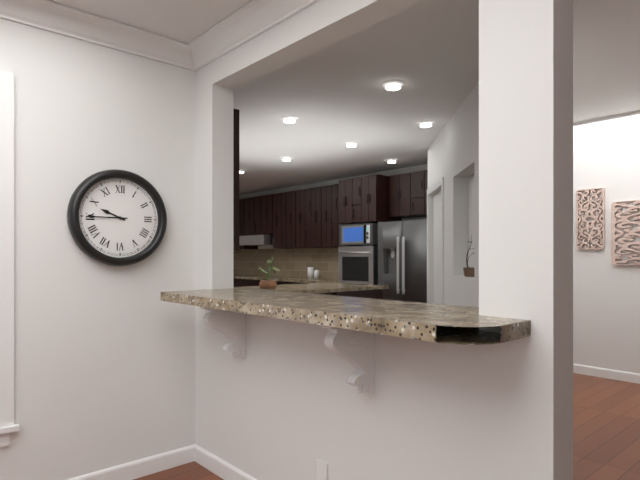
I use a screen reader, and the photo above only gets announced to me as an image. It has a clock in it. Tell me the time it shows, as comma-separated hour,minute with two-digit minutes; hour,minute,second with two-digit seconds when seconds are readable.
9,45
